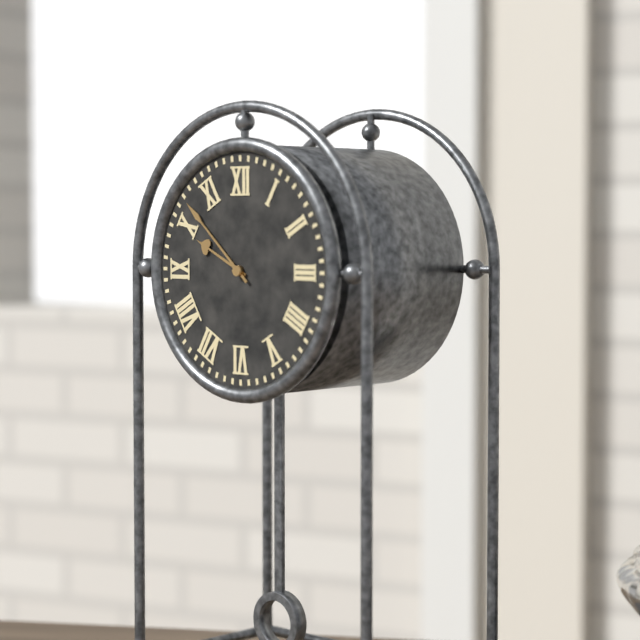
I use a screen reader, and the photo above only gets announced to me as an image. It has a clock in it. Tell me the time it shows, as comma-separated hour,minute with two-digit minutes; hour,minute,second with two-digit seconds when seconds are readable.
9,52
